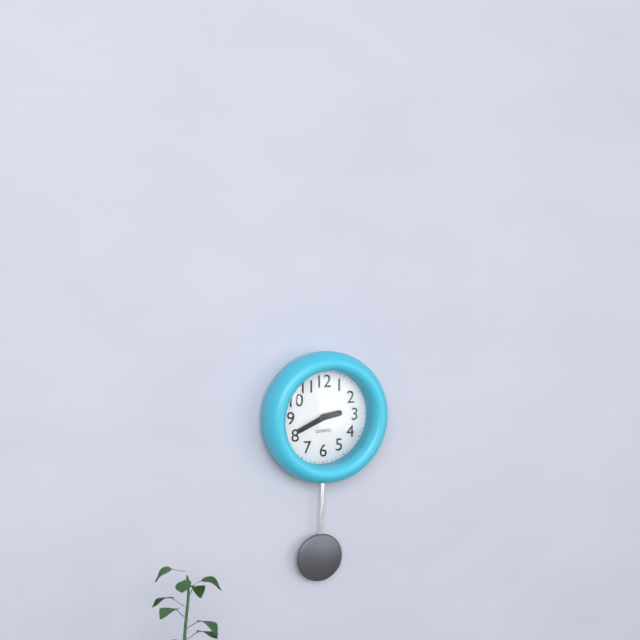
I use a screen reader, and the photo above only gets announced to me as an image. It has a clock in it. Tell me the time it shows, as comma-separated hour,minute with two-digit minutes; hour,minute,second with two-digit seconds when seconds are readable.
2,41
